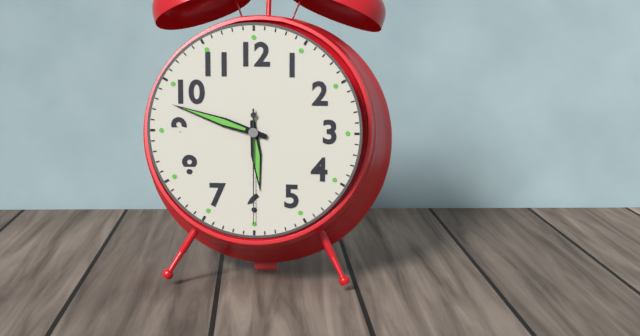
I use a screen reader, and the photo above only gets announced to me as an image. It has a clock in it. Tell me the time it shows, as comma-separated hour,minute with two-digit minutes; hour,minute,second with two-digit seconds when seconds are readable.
5,48,30
